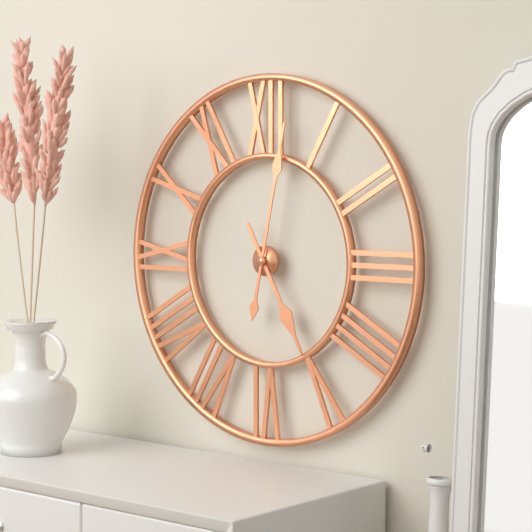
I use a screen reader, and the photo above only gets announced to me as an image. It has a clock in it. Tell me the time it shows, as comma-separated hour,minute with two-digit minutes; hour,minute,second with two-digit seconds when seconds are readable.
5,02
